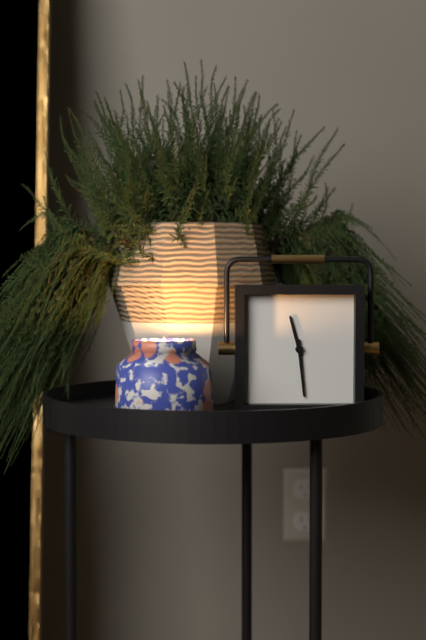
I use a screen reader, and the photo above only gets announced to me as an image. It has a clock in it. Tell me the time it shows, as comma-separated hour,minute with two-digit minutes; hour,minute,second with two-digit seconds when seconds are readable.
11,29
